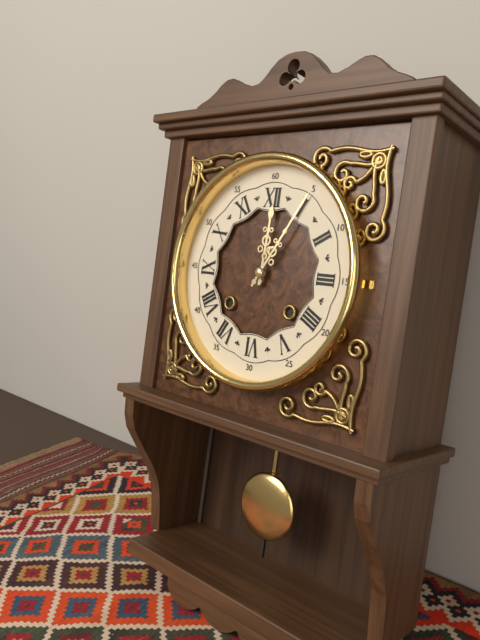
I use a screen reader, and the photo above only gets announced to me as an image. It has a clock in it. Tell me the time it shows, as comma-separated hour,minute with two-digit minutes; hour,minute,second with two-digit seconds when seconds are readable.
12,05
